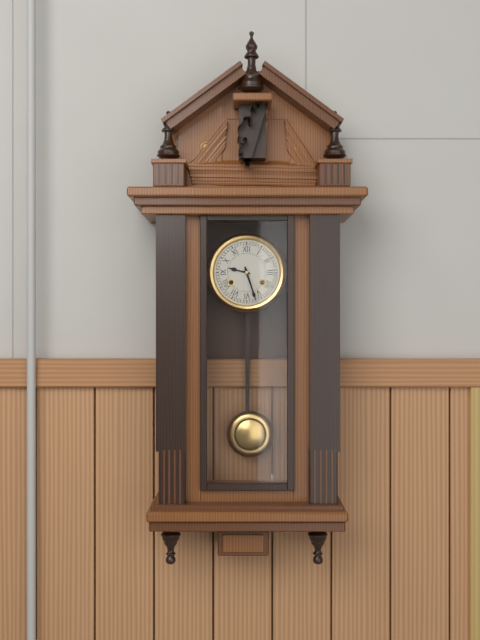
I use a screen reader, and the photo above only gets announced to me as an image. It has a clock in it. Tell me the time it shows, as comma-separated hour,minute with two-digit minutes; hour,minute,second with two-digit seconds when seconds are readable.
9,27
